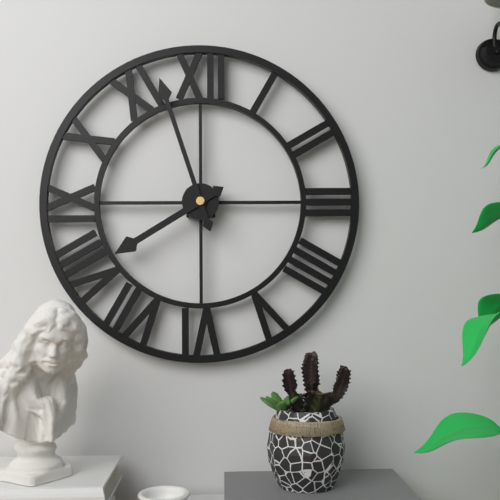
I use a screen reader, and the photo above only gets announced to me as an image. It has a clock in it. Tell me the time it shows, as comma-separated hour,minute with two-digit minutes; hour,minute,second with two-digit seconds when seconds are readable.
7,57
